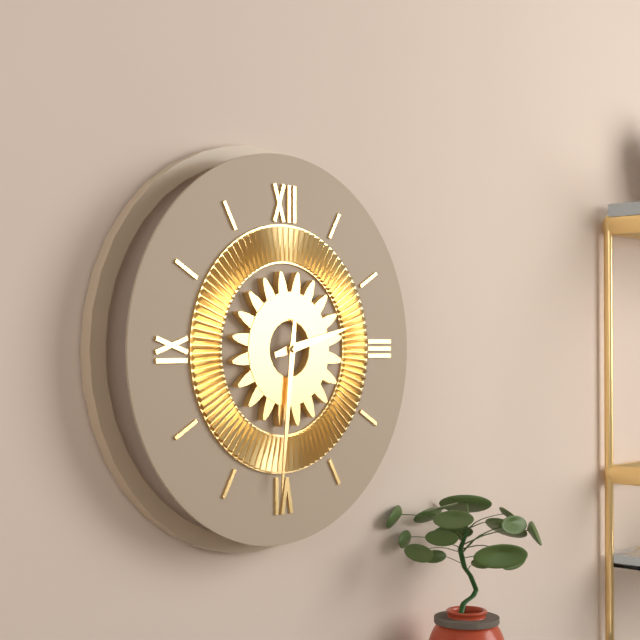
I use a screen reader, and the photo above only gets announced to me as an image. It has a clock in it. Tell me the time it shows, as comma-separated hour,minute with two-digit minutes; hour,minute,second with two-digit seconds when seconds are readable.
2,31
